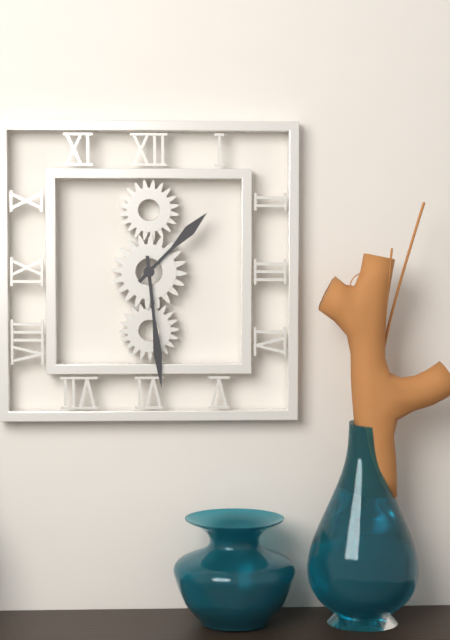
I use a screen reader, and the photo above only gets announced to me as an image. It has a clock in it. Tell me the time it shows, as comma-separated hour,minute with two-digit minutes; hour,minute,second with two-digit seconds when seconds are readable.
1,29
